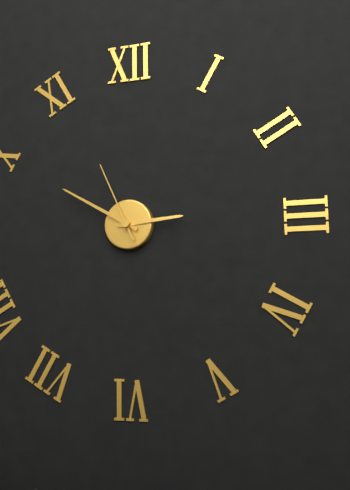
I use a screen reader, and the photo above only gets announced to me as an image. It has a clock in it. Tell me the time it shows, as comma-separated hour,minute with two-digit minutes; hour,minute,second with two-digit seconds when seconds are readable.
2,50,56
